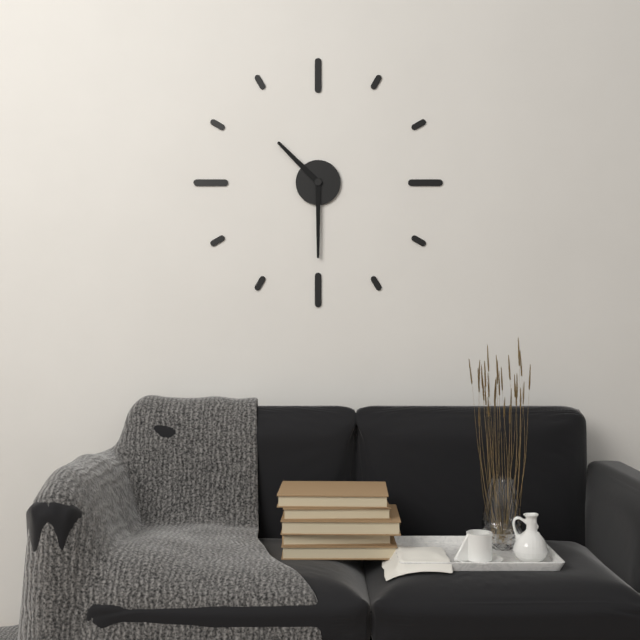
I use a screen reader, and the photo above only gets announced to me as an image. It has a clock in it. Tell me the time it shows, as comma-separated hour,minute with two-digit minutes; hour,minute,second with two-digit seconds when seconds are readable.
10,30
